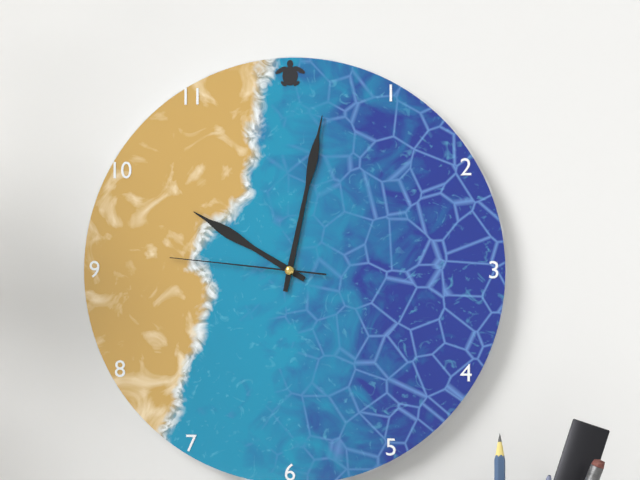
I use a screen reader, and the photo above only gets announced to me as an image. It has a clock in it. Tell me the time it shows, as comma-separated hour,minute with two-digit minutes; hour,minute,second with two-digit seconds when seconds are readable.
10,02,46
